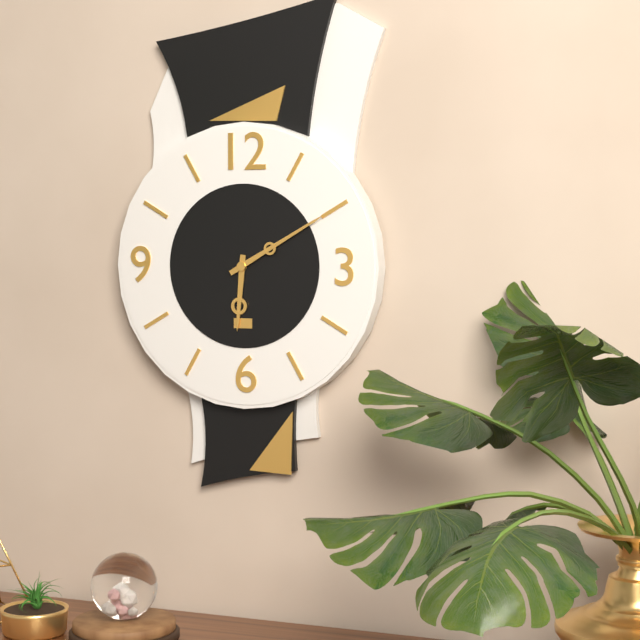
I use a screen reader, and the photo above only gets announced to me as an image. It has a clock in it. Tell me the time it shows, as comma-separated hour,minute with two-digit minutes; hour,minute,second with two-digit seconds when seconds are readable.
6,10
